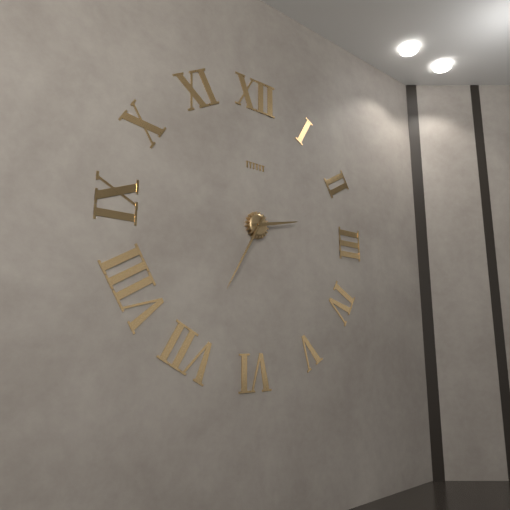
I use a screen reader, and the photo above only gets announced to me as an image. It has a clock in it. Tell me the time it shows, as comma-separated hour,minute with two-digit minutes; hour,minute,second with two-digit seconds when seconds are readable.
2,35
